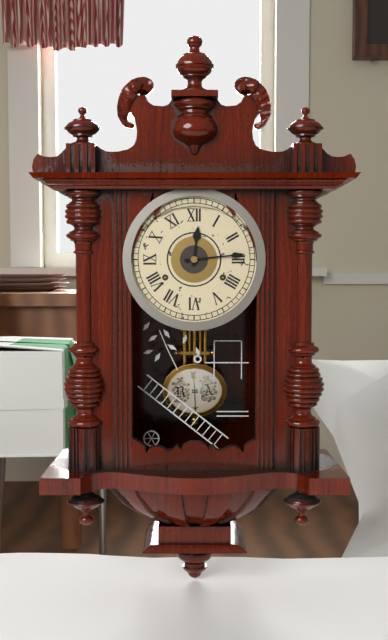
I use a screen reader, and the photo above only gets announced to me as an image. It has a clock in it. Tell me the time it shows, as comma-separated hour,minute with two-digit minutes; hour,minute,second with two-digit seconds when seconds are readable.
12,14
